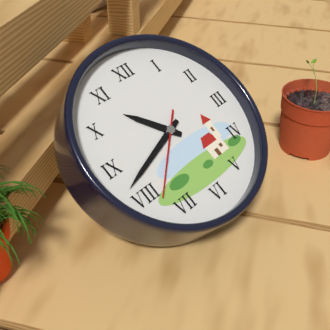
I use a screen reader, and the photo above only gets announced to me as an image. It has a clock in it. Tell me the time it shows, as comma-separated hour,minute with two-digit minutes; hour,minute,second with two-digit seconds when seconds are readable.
10,42,38
